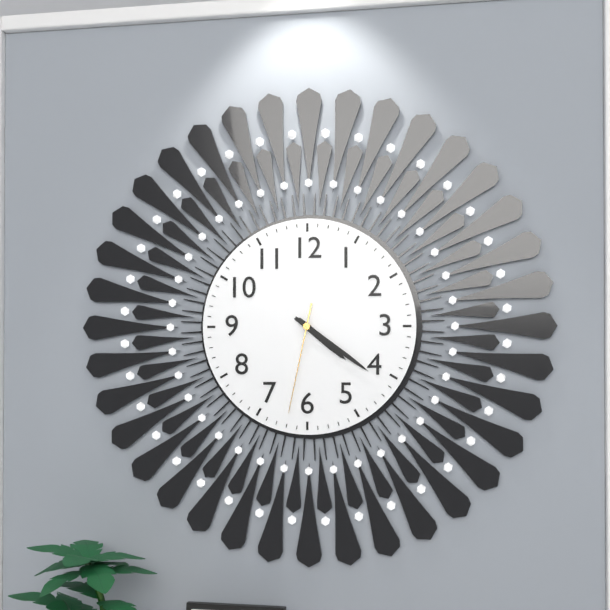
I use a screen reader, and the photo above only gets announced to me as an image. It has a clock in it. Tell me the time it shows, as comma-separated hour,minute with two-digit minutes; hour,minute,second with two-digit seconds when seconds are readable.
4,21,32
